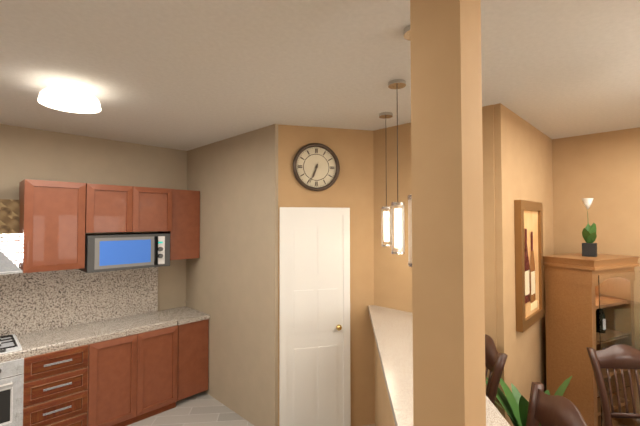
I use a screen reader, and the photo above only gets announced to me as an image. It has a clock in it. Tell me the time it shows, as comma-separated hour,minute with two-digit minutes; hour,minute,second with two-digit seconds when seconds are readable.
6,34
